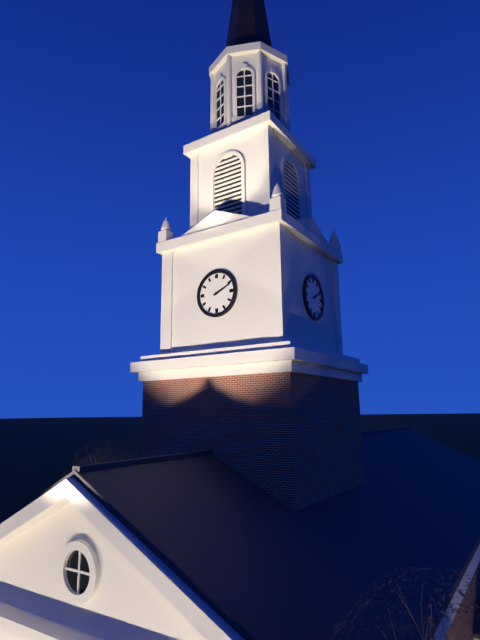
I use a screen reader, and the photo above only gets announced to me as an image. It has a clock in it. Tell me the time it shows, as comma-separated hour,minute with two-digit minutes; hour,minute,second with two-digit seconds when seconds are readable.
2,11
